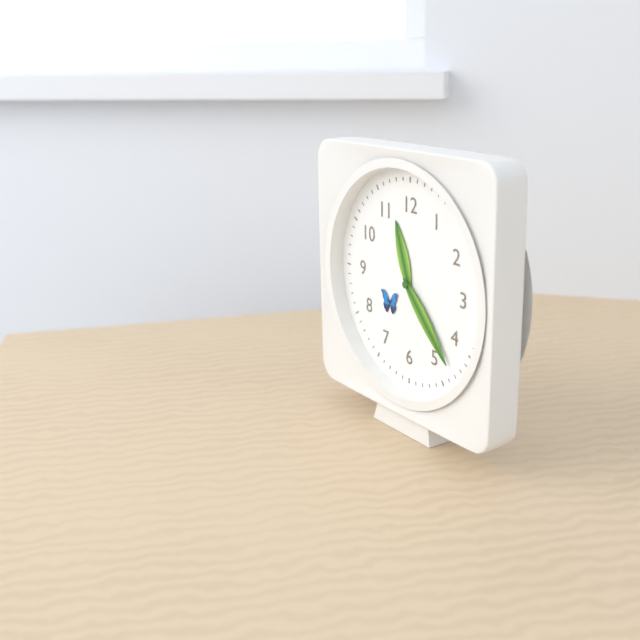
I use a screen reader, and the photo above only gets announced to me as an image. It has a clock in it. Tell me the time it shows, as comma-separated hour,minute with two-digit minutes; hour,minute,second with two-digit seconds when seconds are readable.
11,23
